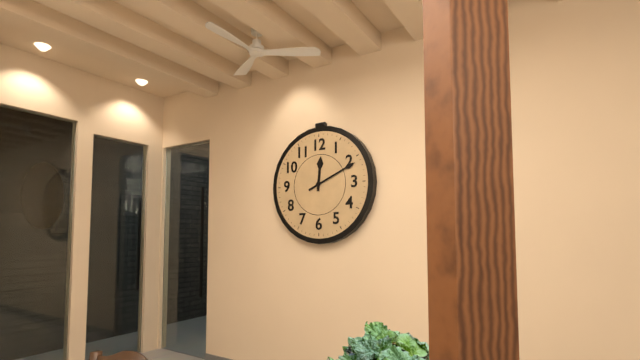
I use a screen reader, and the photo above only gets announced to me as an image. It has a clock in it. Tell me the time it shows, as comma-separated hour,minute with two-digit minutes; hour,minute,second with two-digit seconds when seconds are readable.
12,11
